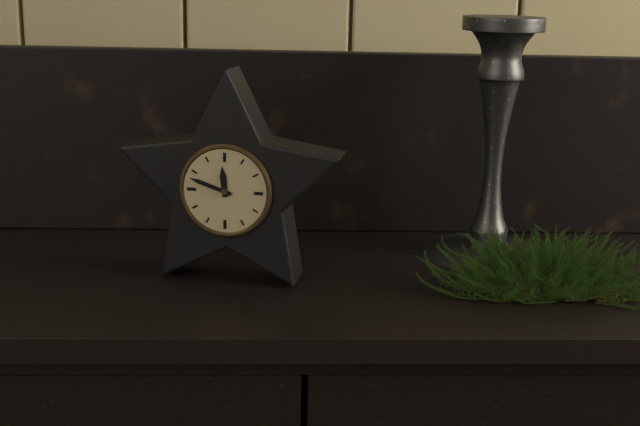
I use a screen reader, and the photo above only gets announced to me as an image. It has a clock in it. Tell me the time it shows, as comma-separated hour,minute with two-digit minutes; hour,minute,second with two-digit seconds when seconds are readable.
11,48
